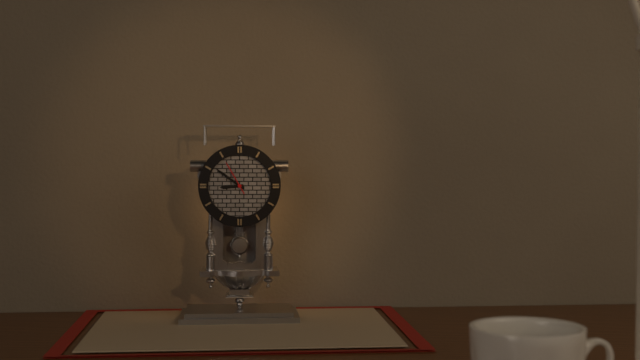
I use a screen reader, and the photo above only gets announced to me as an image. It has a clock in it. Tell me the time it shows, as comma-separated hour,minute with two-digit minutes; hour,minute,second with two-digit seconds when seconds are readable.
8,51
